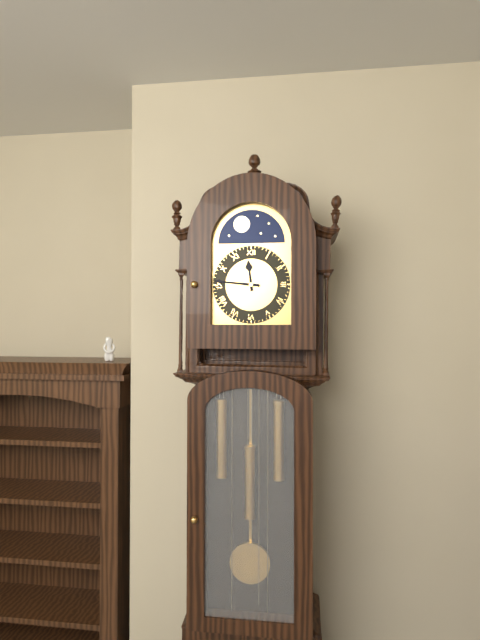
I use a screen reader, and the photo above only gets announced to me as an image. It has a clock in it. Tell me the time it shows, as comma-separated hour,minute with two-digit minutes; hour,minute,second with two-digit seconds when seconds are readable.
11,46
